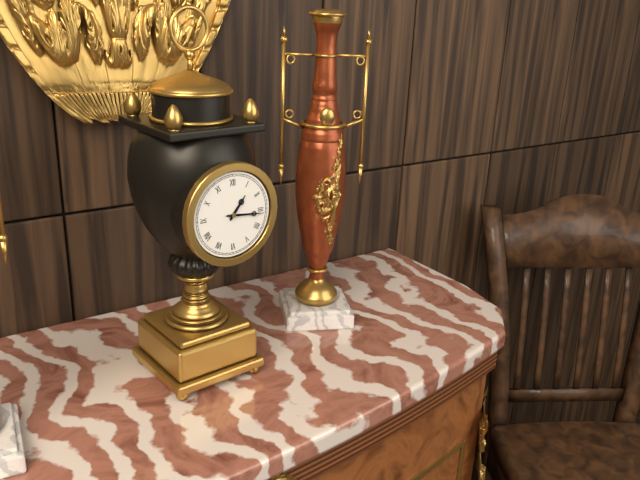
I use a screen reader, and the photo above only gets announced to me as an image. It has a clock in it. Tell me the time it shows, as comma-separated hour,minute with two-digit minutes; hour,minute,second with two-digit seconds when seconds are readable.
1,16
